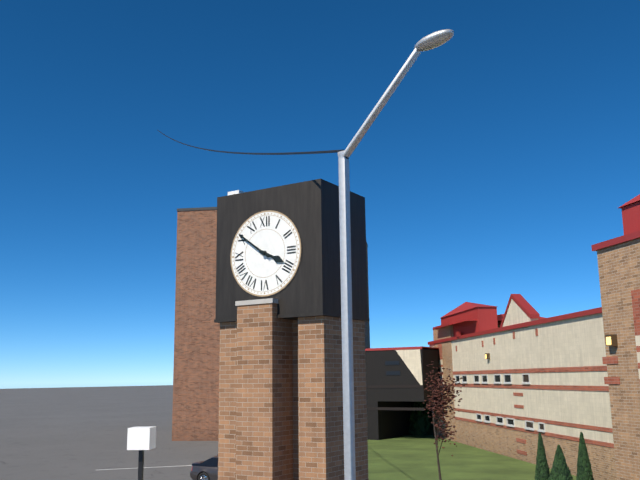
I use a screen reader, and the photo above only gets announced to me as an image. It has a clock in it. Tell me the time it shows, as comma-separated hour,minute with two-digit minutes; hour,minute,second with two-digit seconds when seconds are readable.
3,51
